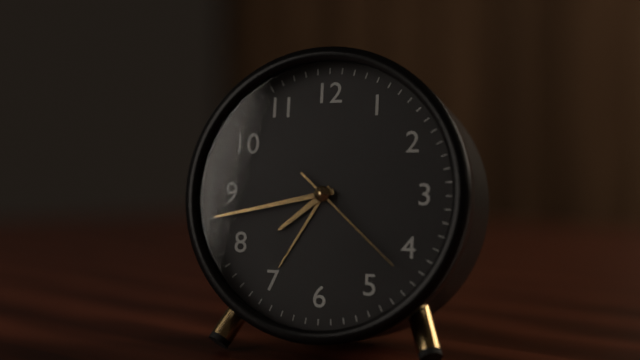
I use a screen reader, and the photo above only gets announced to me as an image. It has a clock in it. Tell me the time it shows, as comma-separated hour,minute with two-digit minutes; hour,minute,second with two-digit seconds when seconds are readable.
7,43,22
